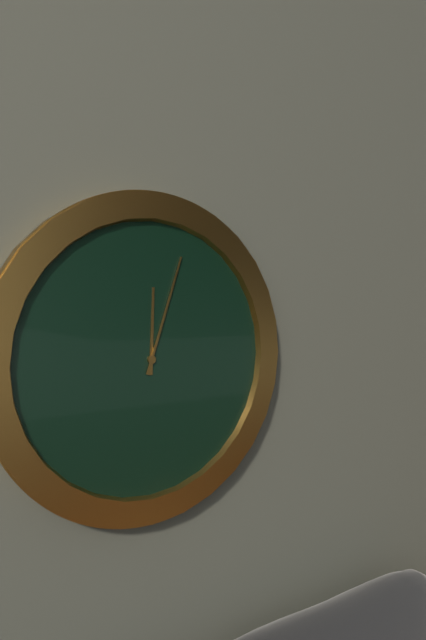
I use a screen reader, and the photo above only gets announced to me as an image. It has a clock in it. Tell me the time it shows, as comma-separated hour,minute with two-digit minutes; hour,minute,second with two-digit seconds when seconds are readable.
12,03
